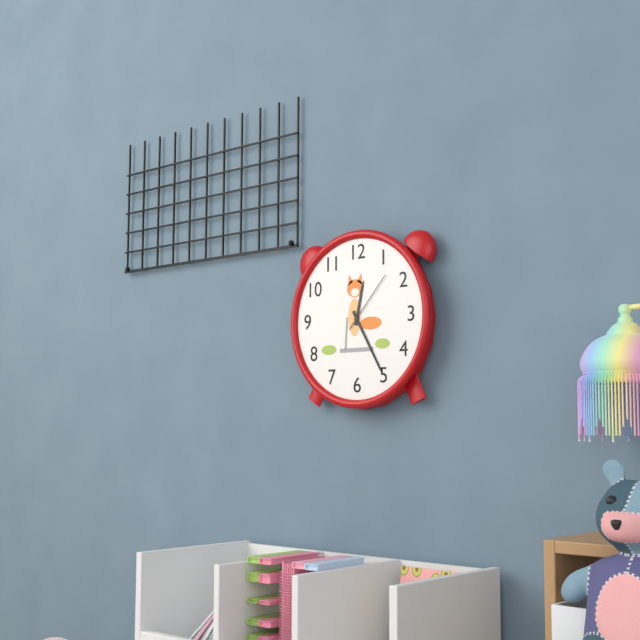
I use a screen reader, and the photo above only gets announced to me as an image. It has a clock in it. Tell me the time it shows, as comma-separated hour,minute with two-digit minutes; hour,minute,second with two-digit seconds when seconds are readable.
12,25,07
